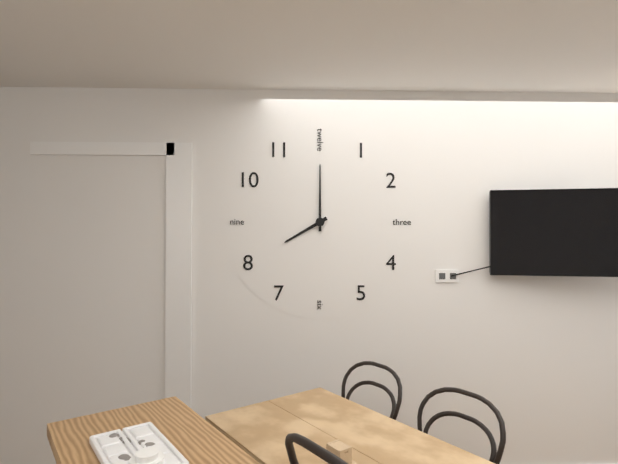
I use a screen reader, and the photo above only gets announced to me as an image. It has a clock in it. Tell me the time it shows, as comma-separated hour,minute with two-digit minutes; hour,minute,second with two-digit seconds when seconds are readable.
8,00
